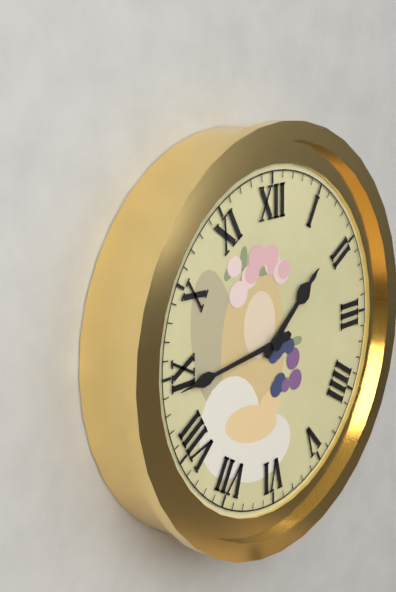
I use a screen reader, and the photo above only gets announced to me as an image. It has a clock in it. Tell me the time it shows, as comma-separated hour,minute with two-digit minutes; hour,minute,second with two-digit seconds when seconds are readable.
1,44
